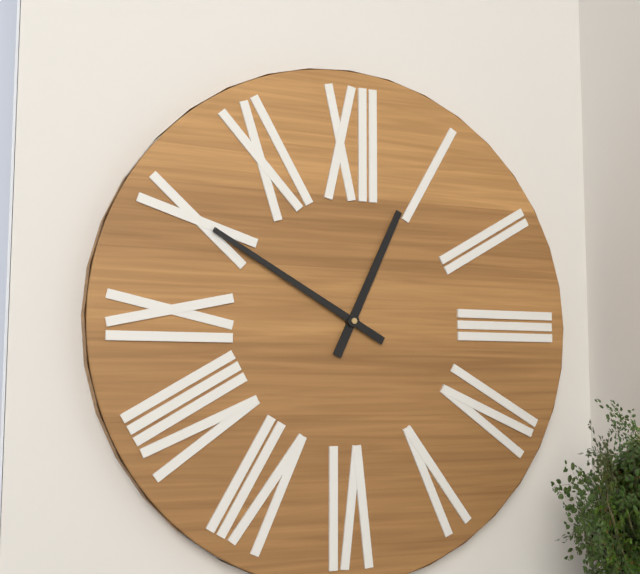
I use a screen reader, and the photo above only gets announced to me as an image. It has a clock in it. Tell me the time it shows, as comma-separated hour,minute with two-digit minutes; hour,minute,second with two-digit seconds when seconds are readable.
12,50
